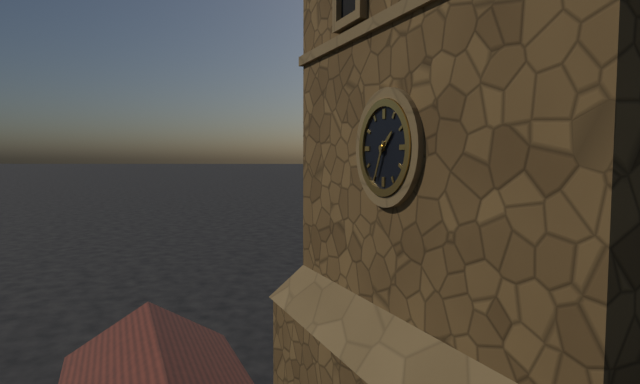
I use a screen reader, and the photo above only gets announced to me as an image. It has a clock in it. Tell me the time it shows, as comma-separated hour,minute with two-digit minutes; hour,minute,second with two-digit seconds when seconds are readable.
1,34
